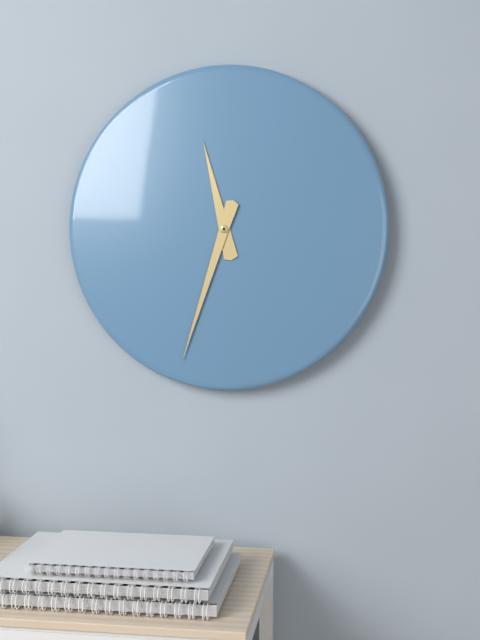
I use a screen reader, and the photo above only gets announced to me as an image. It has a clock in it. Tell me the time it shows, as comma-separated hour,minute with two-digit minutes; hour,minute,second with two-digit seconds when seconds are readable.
11,33
